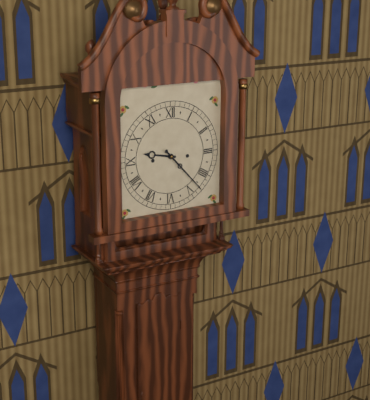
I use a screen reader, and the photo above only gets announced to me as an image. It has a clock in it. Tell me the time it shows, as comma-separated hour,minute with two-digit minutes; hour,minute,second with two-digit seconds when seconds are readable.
9,23
